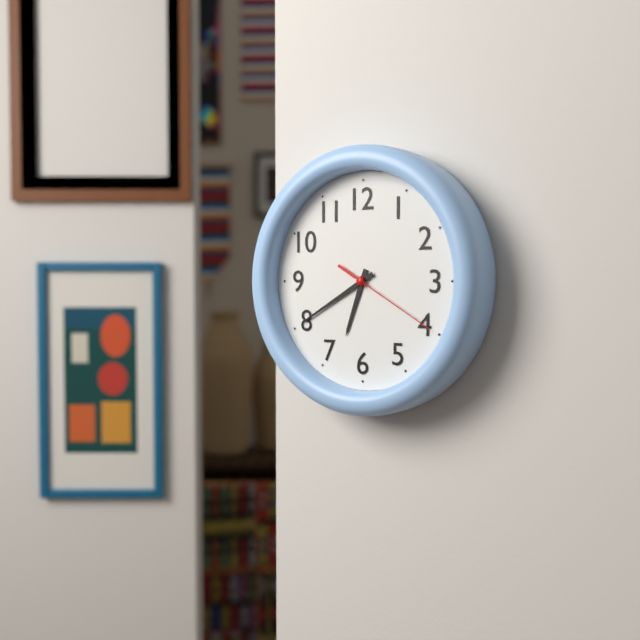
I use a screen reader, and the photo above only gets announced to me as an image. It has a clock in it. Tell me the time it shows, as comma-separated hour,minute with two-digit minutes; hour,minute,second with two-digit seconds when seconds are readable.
6,40,20
